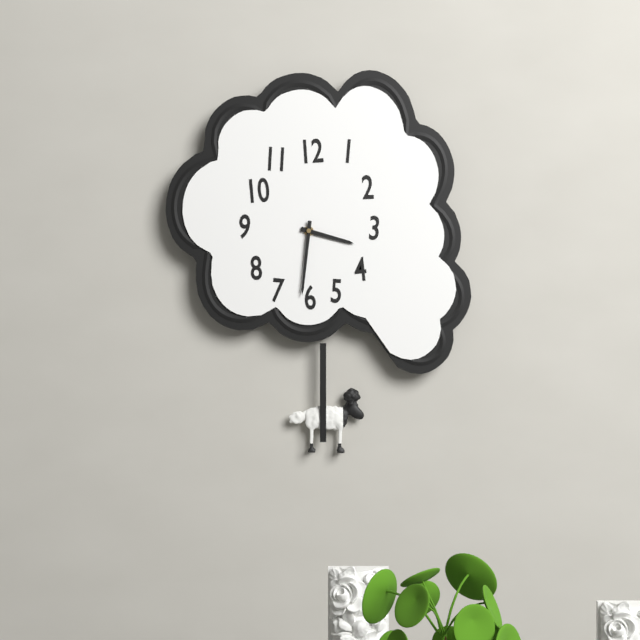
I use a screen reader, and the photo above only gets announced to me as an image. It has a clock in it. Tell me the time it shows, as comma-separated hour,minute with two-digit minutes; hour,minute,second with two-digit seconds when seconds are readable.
3,31
